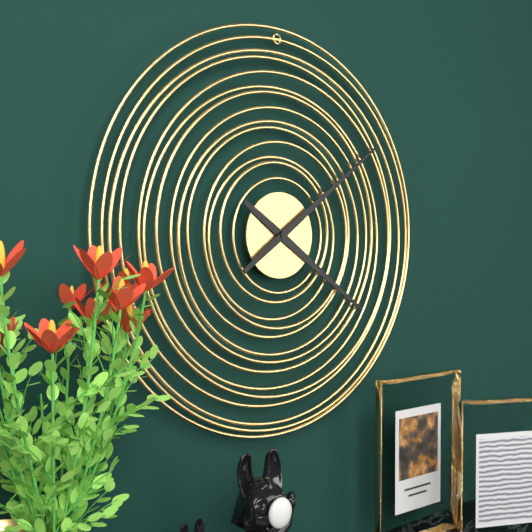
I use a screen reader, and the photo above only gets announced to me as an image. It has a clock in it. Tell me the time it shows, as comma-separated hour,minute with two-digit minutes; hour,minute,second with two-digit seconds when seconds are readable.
4,09
